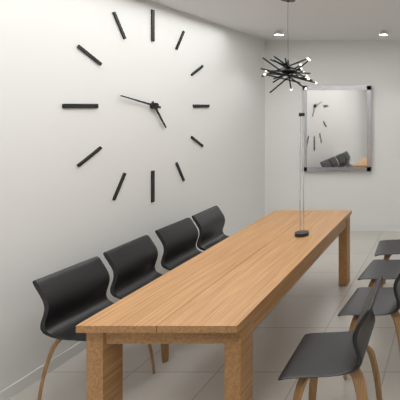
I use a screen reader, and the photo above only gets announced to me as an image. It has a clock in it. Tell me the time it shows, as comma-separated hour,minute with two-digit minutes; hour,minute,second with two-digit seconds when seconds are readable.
4,47
